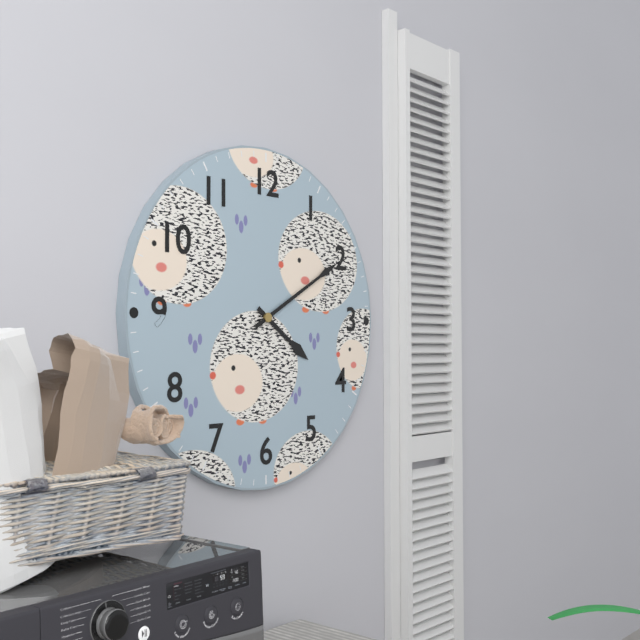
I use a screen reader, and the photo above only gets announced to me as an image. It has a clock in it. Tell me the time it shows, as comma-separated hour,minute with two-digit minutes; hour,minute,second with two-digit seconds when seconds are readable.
4,10
